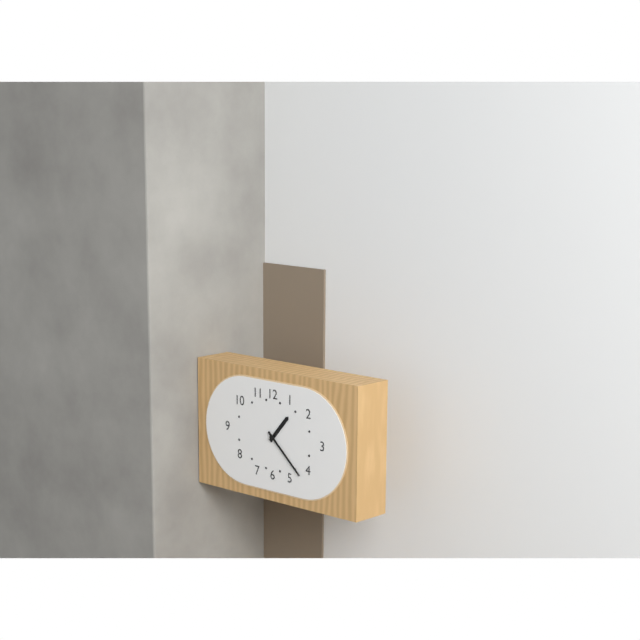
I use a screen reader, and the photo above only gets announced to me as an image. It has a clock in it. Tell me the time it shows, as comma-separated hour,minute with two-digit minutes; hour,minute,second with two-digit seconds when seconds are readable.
1,22
